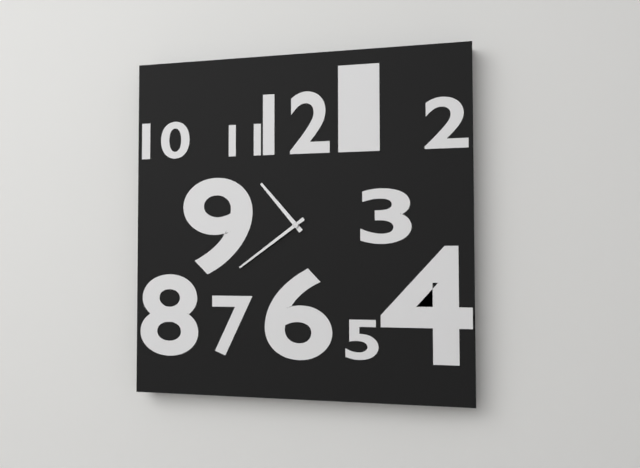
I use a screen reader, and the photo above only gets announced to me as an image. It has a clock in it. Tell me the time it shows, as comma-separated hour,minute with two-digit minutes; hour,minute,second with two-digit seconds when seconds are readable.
10,39
